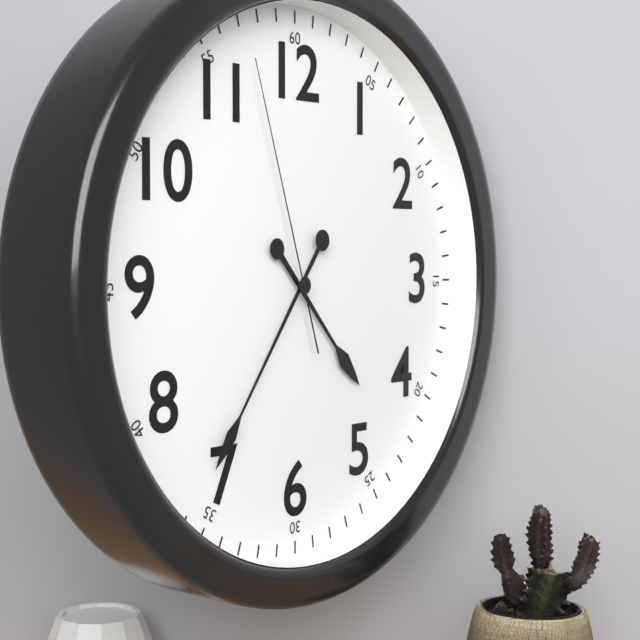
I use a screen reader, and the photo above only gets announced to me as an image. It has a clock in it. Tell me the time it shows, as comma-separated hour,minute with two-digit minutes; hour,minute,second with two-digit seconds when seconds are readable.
4,36,57
